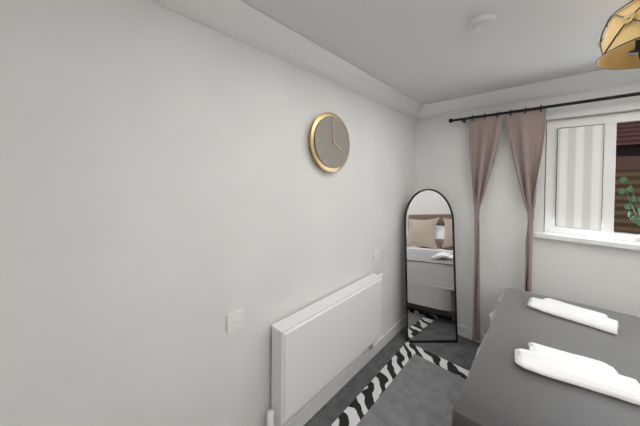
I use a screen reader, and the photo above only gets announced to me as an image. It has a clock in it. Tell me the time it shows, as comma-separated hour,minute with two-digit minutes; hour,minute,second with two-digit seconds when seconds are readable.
3,59
